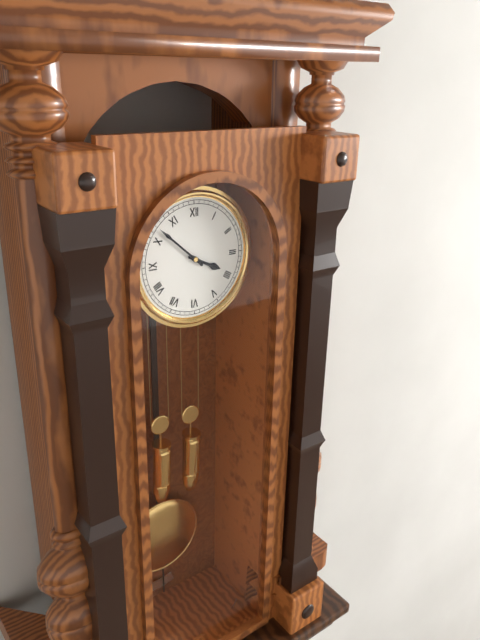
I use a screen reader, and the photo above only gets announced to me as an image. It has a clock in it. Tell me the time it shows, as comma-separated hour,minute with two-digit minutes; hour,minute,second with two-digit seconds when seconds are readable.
3,52
